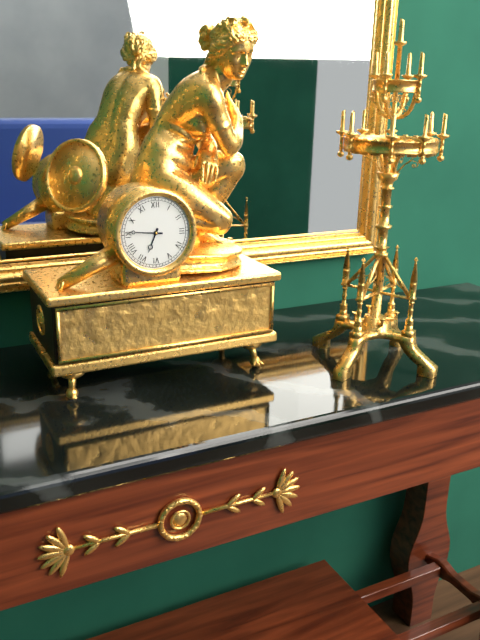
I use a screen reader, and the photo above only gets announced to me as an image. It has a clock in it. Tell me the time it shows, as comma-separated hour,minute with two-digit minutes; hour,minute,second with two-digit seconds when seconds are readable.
6,46
